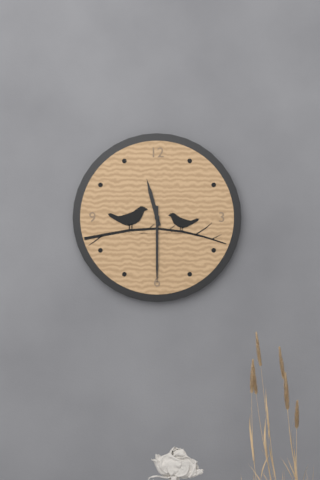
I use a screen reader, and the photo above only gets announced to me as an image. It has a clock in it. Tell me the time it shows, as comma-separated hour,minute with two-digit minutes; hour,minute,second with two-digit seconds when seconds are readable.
11,30
